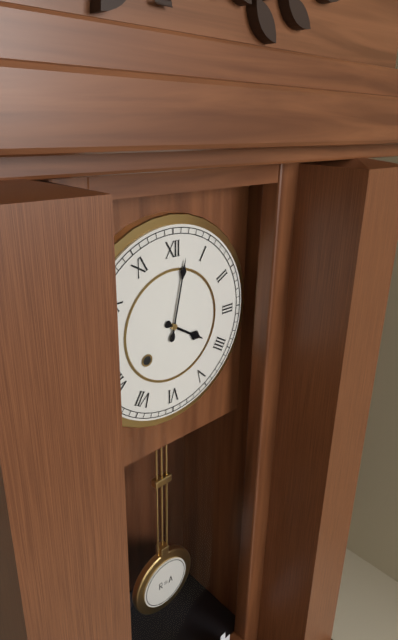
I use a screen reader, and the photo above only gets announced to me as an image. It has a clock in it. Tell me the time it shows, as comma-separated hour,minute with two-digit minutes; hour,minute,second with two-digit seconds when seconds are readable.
4,02
